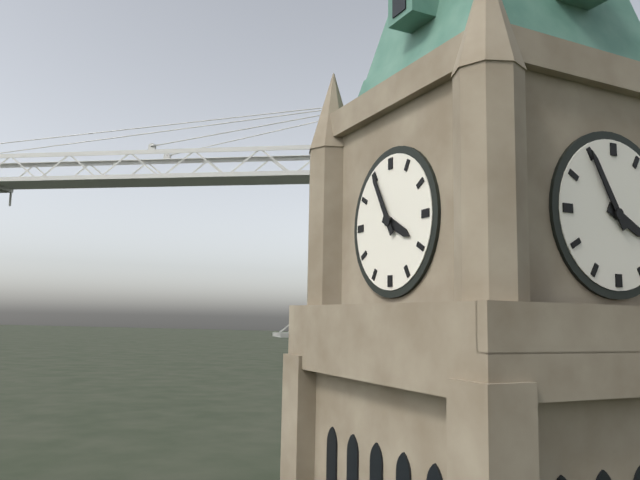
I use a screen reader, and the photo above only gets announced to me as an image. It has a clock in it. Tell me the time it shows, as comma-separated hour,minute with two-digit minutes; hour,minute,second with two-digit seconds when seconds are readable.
3,55
